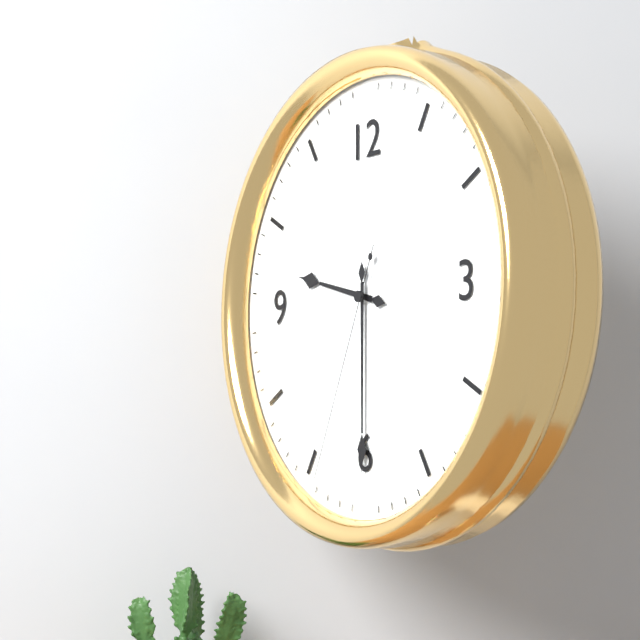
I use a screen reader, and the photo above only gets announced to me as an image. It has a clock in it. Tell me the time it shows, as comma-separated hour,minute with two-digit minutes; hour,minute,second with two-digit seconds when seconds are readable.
9,30,34
